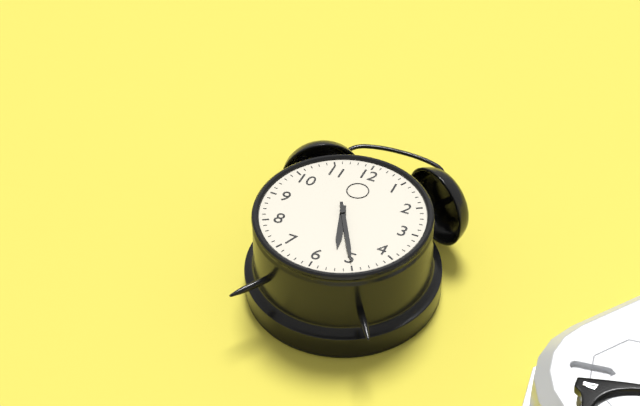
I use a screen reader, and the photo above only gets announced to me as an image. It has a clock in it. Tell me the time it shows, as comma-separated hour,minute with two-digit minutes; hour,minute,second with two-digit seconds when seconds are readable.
5,25
